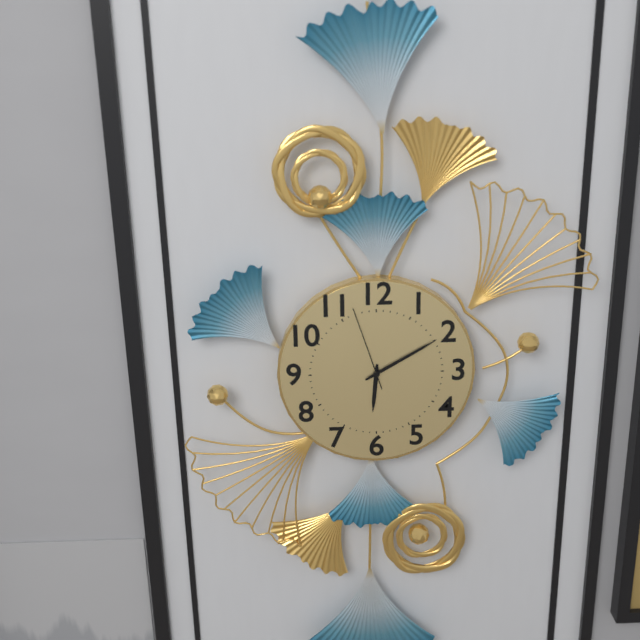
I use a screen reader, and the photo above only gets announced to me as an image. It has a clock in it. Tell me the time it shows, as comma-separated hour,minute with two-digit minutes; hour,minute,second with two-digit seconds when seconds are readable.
6,10,57
